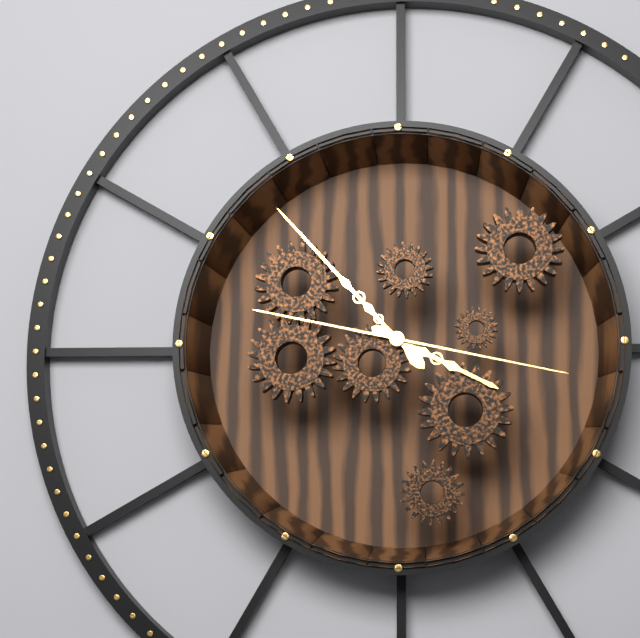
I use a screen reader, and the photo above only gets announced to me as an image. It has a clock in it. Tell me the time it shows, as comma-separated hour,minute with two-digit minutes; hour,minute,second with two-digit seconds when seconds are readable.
3,53,17
